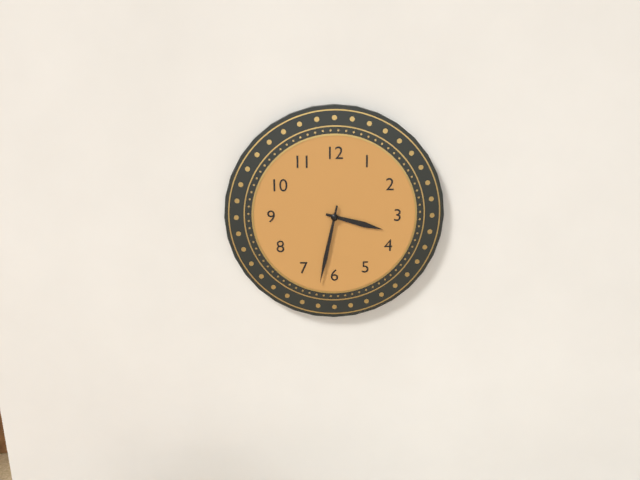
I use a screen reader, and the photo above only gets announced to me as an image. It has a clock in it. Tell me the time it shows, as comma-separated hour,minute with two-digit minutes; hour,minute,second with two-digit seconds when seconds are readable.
3,32
